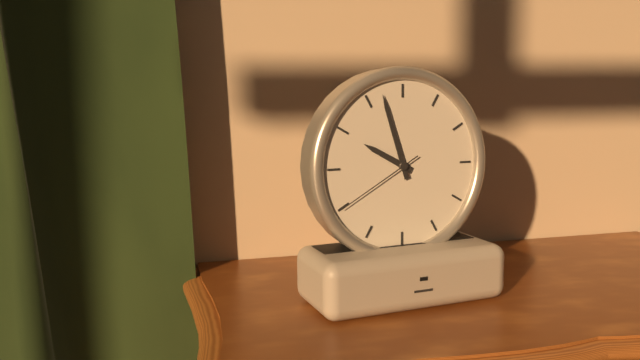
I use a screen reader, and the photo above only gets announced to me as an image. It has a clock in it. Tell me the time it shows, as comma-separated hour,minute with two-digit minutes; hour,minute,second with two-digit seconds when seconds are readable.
9,57,40
